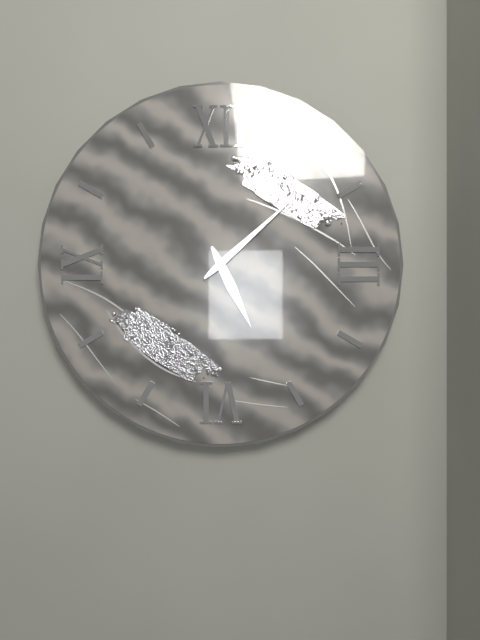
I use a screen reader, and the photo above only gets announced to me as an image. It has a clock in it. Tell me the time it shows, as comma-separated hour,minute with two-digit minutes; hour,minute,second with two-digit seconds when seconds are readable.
5,08
